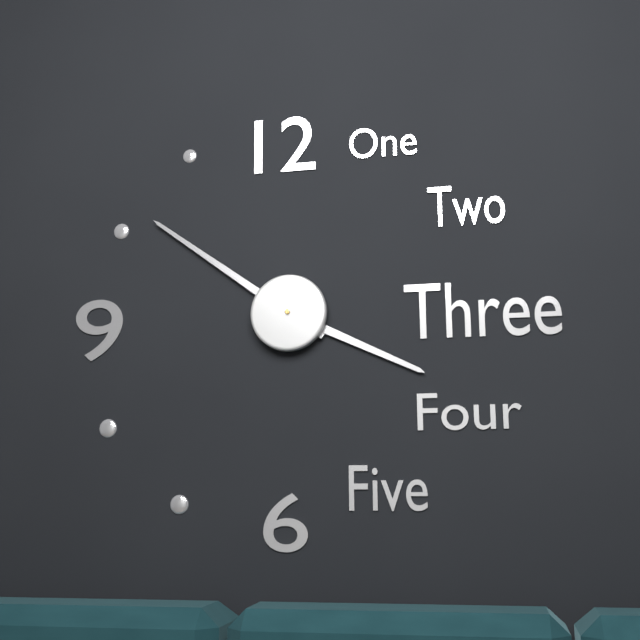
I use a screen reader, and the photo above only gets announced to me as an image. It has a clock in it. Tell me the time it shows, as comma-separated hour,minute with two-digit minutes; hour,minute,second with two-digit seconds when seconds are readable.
3,51
